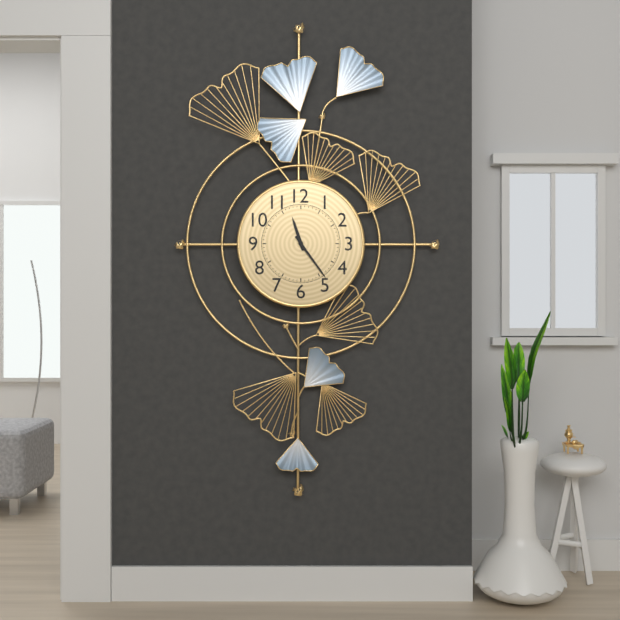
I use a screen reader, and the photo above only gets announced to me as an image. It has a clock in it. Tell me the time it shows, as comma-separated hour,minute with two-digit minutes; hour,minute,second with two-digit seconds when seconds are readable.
11,24
